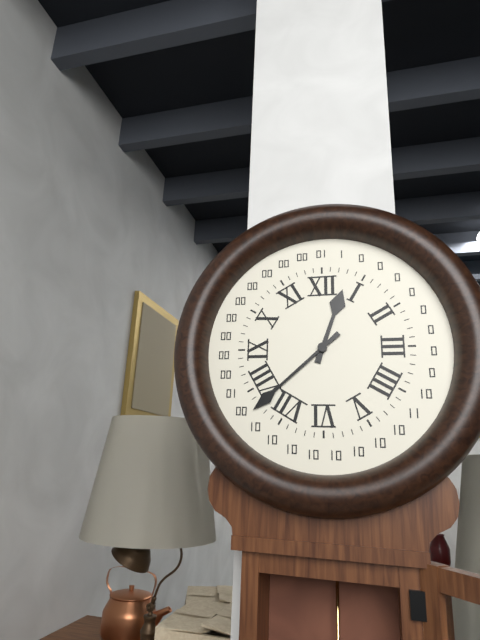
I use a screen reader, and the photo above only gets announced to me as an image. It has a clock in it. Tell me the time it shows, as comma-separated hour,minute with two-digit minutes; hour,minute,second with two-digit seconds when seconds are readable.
12,38
